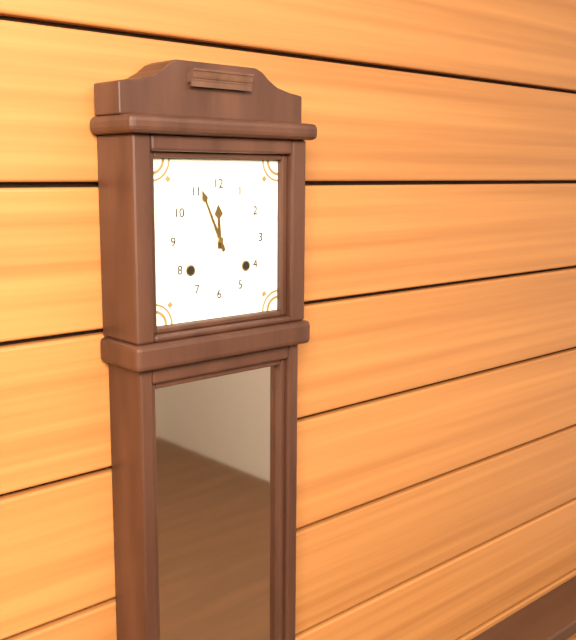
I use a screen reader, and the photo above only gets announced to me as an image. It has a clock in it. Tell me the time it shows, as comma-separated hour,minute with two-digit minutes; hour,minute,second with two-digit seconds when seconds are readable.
11,56
